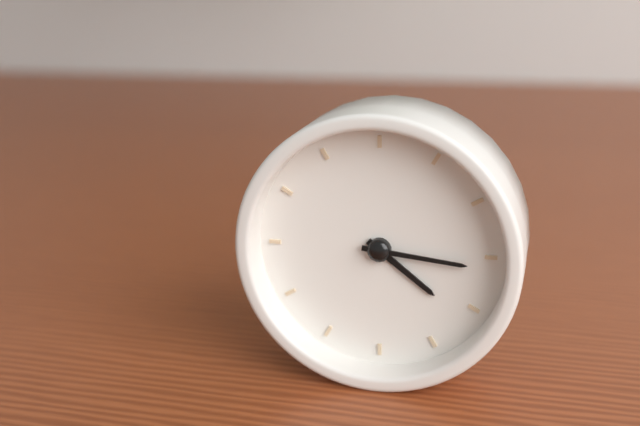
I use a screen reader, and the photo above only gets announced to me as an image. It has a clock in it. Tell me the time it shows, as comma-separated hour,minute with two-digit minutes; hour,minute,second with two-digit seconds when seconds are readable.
4,16
